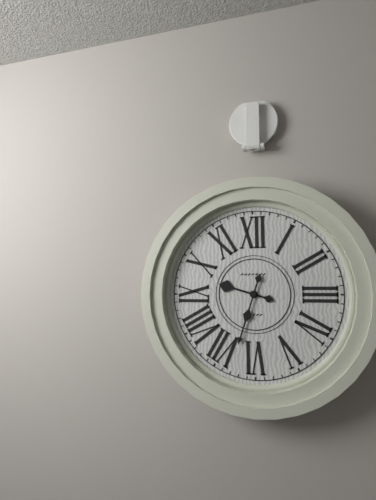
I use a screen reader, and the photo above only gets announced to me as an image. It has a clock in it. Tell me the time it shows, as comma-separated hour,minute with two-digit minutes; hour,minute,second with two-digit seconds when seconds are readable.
9,33
